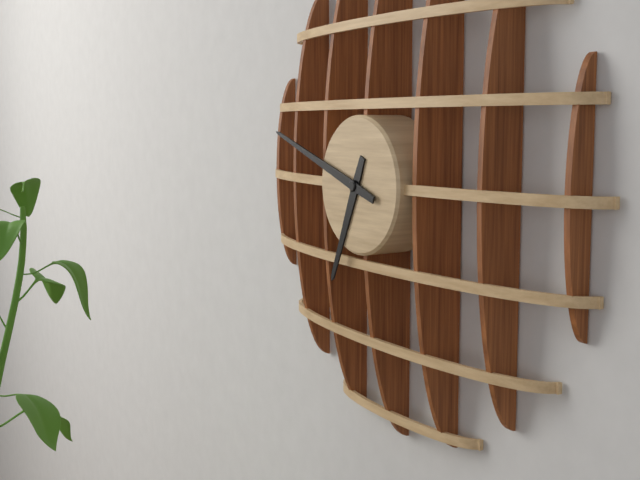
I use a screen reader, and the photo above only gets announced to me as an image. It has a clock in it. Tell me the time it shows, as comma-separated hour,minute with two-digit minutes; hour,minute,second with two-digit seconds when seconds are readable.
6,48
